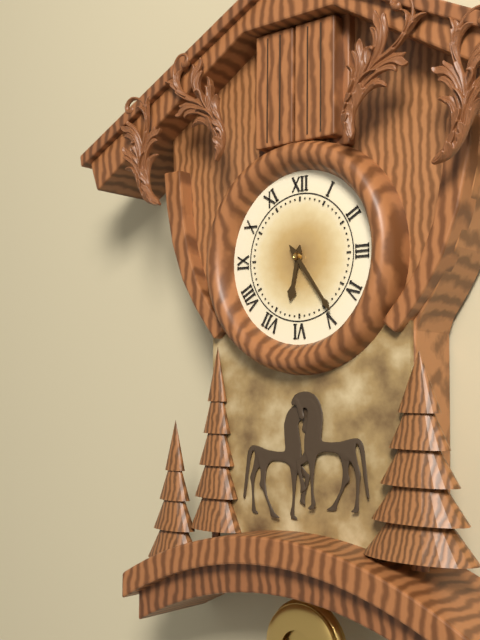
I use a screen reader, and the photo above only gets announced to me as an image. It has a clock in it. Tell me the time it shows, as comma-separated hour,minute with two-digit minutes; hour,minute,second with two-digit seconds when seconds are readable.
6,24
